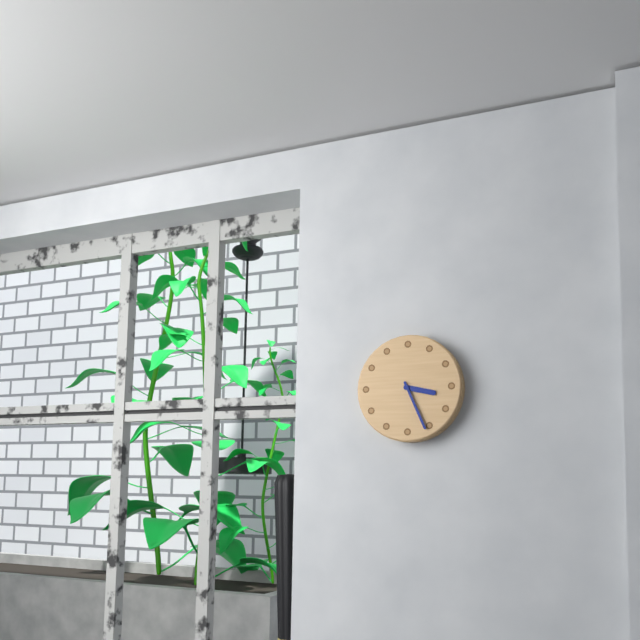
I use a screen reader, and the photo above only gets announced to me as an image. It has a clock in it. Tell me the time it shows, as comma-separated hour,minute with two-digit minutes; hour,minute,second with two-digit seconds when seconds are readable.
3,26
